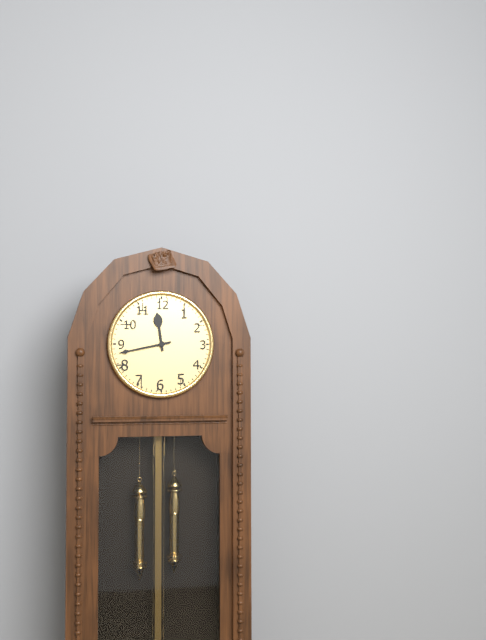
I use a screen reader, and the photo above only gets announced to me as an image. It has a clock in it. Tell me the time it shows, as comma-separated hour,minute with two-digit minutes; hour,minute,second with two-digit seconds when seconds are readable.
11,43
